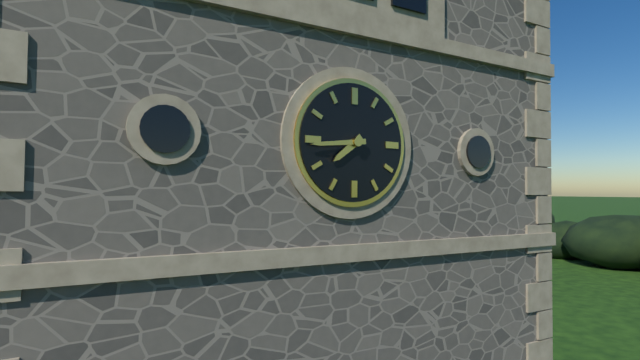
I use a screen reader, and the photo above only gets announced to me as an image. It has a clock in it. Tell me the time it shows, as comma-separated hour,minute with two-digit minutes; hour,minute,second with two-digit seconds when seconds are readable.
7,44
